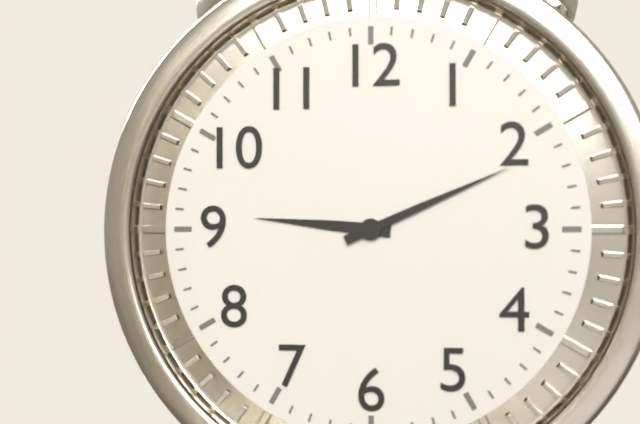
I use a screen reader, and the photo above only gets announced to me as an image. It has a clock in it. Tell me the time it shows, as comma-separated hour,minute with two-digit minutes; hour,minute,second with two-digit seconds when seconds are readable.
9,11
